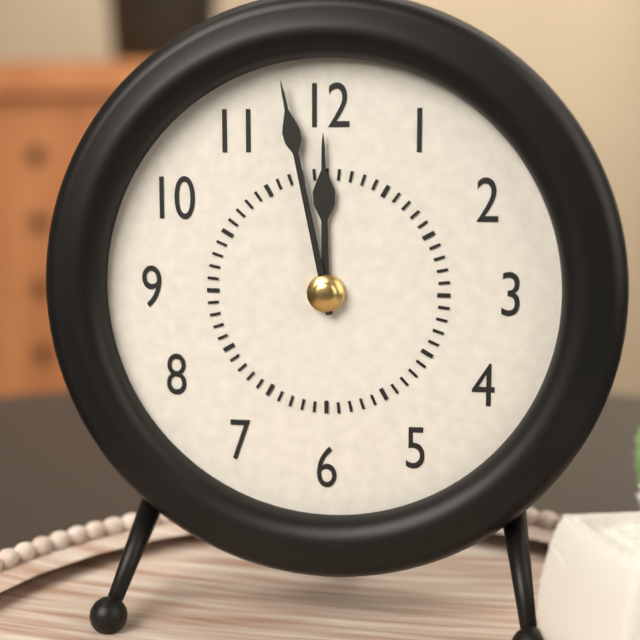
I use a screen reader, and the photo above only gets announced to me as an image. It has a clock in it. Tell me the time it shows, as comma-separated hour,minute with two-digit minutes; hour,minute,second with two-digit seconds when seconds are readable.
11,58
